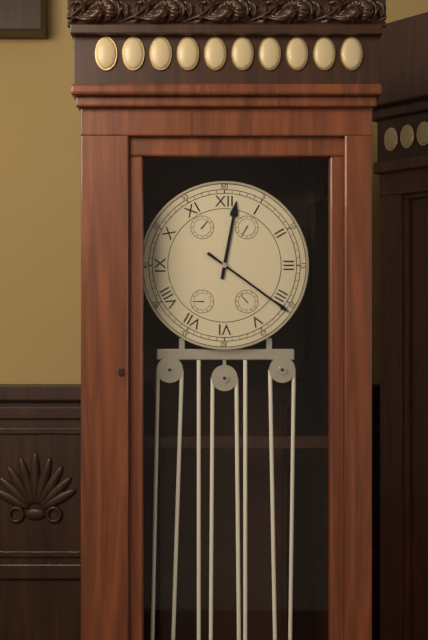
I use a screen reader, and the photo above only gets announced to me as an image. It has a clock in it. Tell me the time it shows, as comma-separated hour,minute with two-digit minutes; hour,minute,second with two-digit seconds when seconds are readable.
12,21
